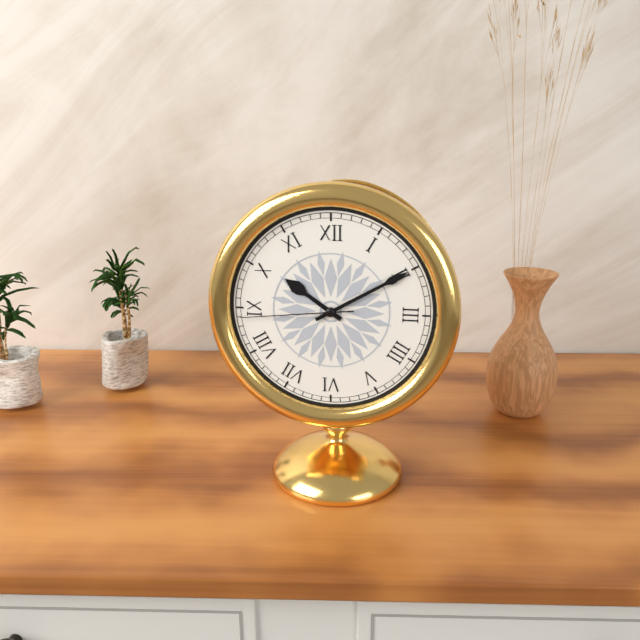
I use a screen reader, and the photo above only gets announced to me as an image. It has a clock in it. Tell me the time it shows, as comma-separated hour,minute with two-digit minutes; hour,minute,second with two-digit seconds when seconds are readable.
10,10,44
